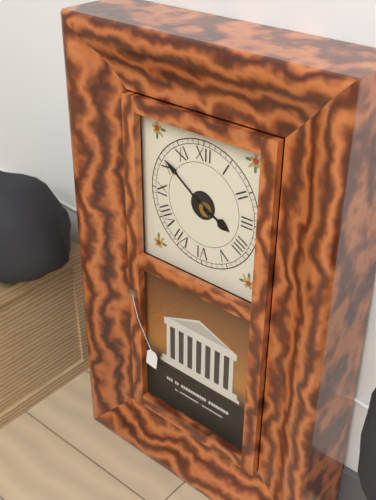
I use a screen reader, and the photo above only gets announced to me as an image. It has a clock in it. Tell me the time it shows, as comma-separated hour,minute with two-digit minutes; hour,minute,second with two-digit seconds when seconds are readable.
3,51
